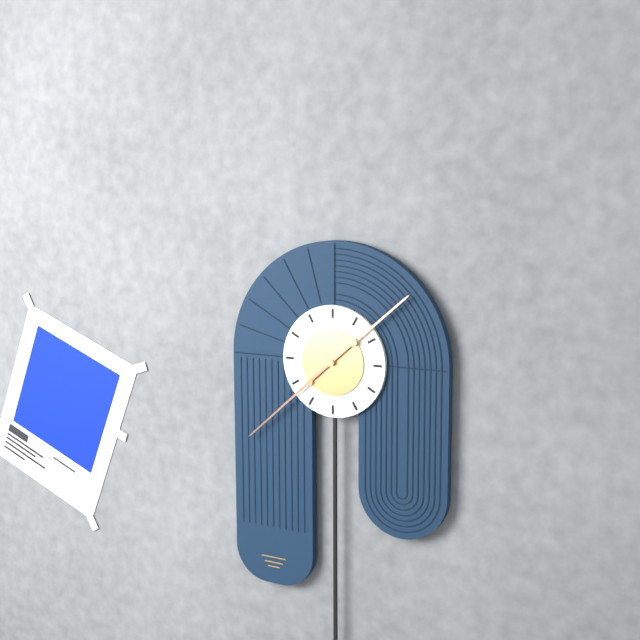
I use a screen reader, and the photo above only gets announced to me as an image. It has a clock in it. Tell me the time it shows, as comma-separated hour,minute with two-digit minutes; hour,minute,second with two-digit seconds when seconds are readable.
1,38
